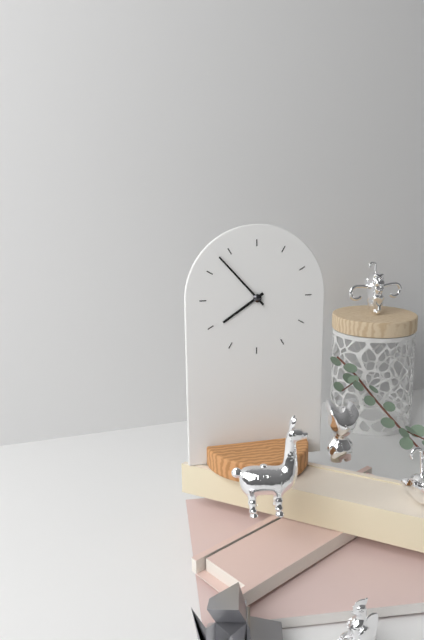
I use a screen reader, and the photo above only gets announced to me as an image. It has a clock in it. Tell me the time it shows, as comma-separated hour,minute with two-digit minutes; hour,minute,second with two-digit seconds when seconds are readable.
7,53
